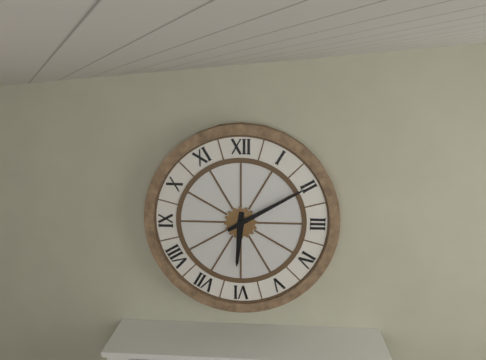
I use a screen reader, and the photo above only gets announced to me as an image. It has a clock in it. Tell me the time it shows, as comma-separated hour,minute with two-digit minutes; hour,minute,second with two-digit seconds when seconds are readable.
6,10
